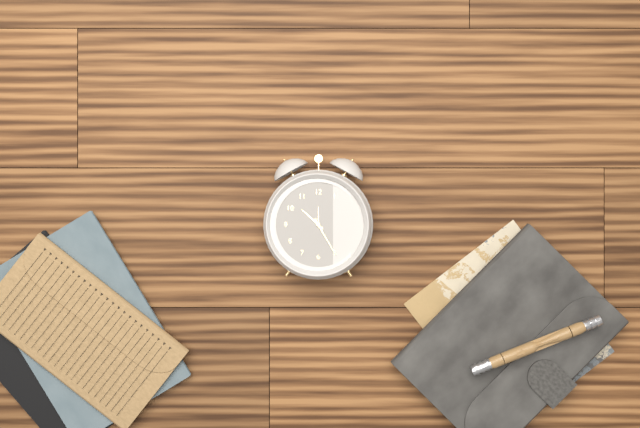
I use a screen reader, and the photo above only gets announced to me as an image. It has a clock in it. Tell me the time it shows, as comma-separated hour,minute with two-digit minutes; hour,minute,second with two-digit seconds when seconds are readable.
10,25
